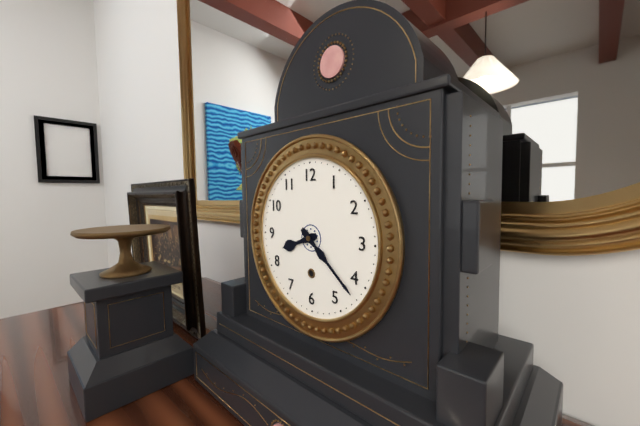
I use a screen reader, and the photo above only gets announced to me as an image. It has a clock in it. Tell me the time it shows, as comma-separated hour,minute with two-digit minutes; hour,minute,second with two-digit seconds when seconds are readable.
8,22
